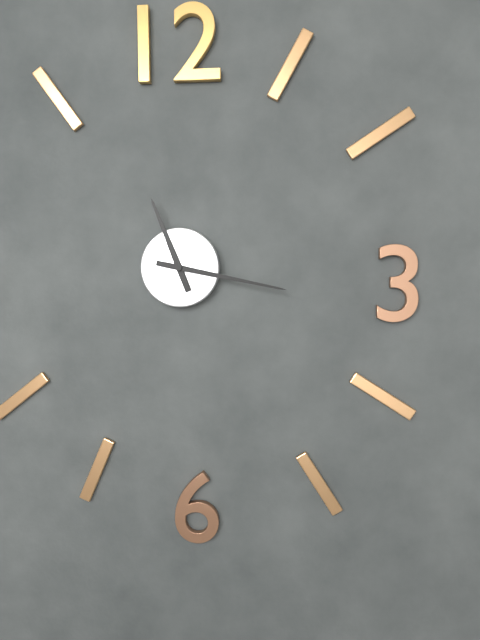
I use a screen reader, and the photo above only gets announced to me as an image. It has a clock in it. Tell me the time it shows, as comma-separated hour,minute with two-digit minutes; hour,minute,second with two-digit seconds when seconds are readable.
11,17
